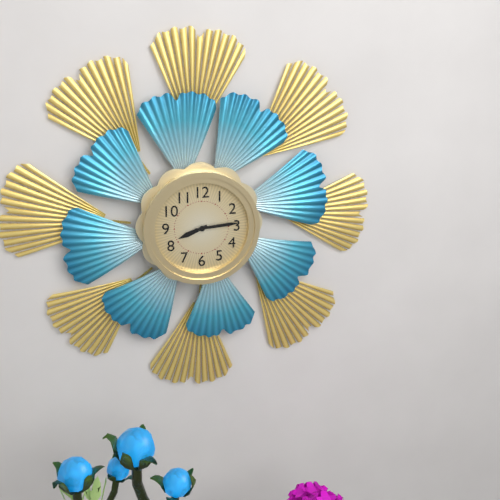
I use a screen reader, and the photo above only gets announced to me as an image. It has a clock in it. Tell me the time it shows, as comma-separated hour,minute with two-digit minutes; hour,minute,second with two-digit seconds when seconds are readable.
8,14
